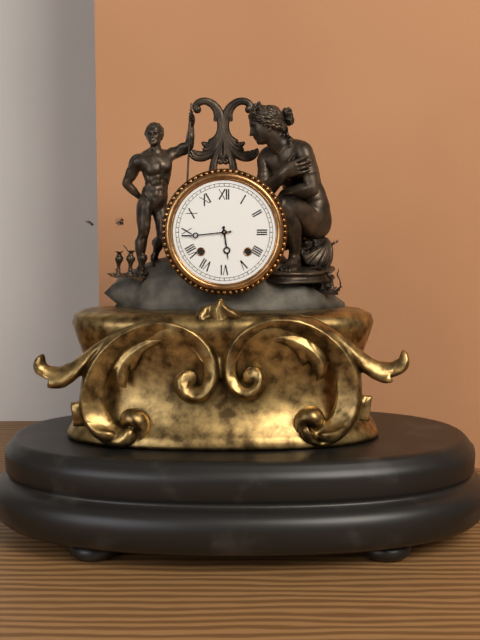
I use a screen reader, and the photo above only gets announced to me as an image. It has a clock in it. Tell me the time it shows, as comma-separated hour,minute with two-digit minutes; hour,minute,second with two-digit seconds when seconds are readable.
5,44
